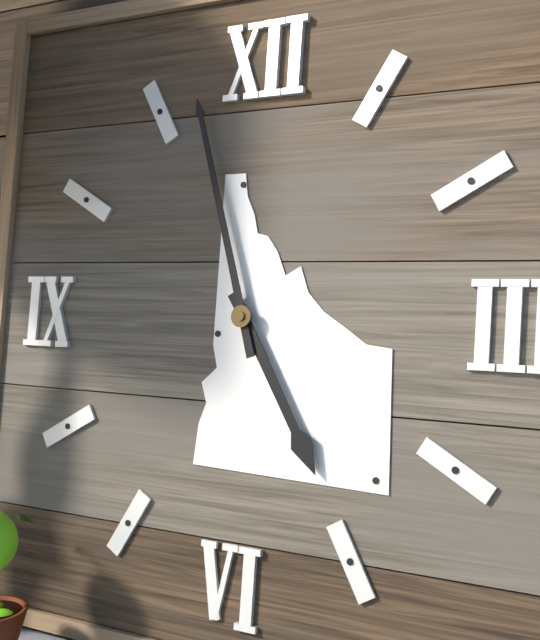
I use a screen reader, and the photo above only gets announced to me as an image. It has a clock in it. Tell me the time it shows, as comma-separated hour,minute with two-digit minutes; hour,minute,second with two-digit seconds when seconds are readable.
4,57
